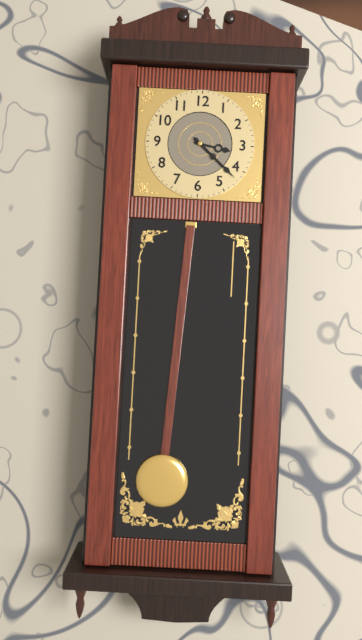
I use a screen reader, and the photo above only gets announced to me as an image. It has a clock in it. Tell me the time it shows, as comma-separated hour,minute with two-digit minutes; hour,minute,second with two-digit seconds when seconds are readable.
3,22
